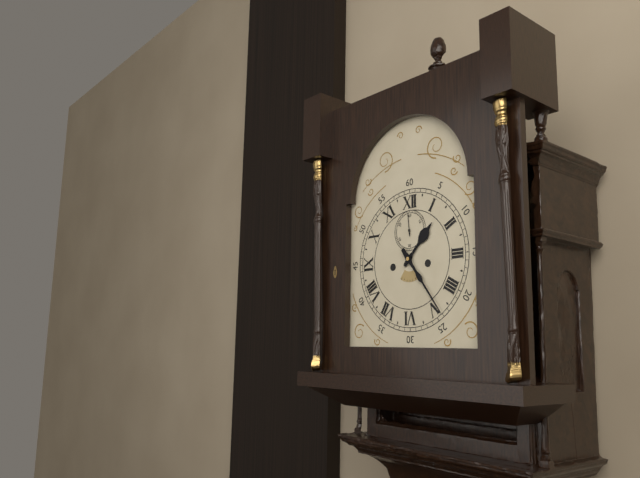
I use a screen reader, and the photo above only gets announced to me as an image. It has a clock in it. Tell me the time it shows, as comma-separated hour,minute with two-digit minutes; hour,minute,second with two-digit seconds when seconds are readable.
1,24
